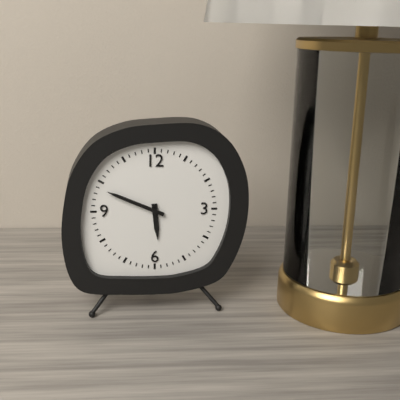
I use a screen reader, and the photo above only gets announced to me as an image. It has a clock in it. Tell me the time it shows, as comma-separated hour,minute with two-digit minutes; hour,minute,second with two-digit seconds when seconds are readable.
5,49
